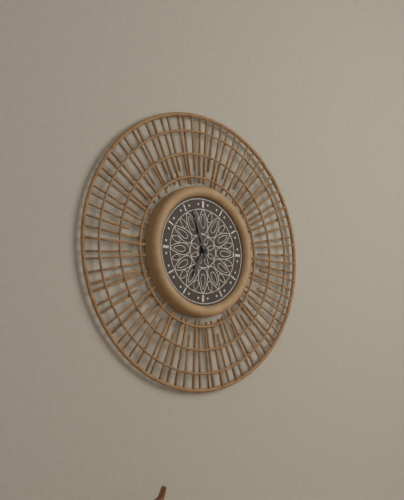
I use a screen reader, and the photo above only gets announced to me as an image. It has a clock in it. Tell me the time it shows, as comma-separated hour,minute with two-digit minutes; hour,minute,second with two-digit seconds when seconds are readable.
6,57
